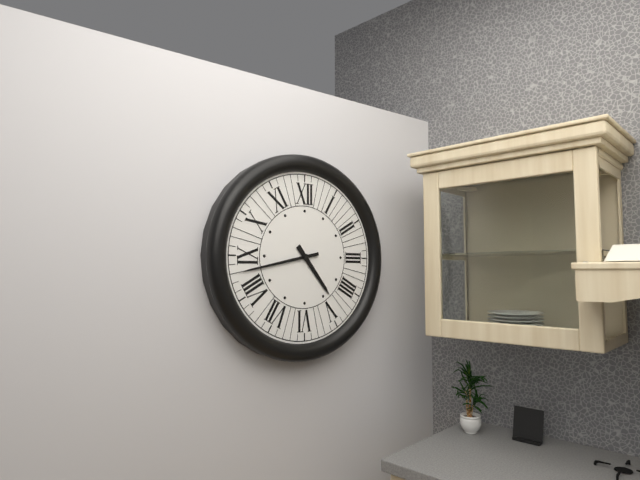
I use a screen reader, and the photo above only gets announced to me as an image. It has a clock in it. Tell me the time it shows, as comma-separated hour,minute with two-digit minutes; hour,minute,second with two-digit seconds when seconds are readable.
4,43
